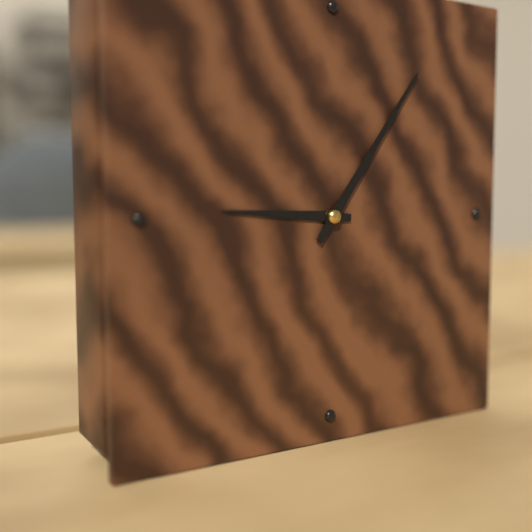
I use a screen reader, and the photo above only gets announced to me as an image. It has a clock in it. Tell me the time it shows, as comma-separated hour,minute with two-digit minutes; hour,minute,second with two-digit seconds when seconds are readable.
9,06
